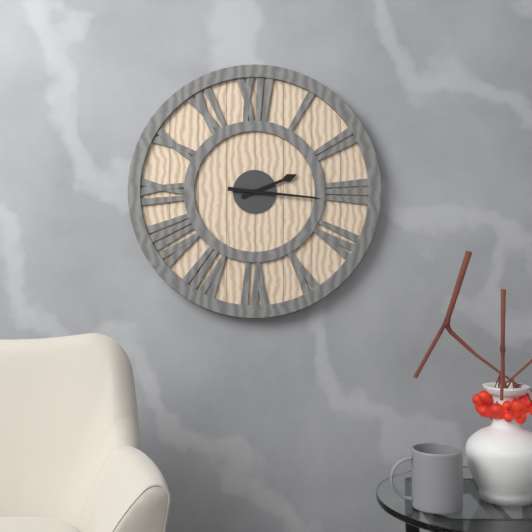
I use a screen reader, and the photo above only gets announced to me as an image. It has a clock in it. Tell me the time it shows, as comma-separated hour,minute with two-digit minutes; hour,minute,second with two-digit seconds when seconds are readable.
2,16
